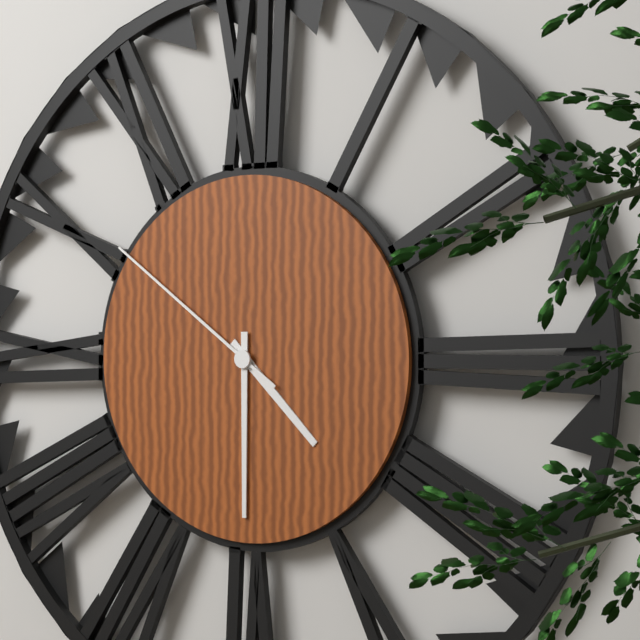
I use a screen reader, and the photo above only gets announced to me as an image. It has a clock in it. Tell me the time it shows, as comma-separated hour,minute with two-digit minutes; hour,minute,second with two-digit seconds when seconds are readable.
4,30,51
